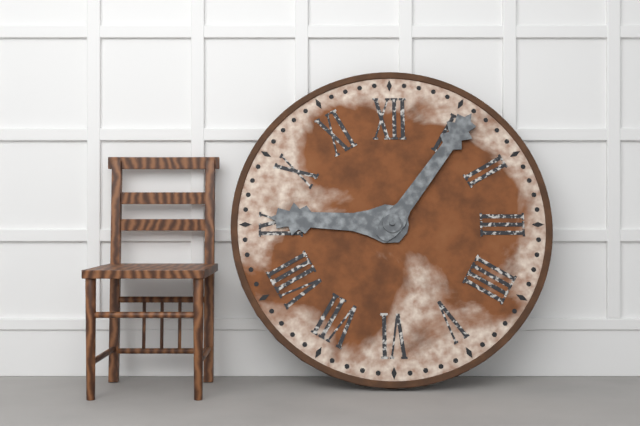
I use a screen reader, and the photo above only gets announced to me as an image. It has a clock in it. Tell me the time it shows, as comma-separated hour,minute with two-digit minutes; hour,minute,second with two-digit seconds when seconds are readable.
9,06
